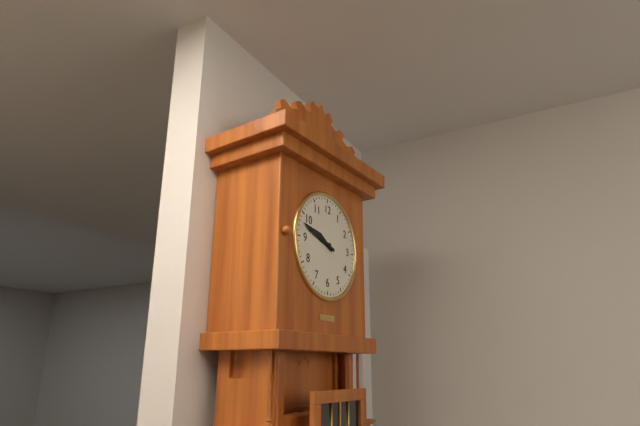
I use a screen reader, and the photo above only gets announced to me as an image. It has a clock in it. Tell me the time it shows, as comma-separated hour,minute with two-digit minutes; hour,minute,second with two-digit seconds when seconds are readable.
9,48
